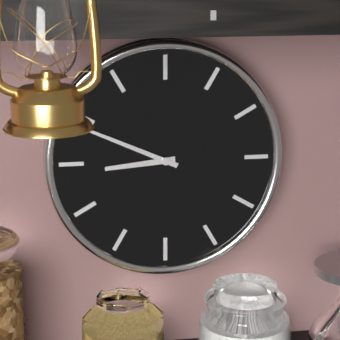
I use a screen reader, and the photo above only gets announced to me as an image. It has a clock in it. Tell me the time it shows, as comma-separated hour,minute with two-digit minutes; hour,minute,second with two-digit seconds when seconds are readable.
8,49
